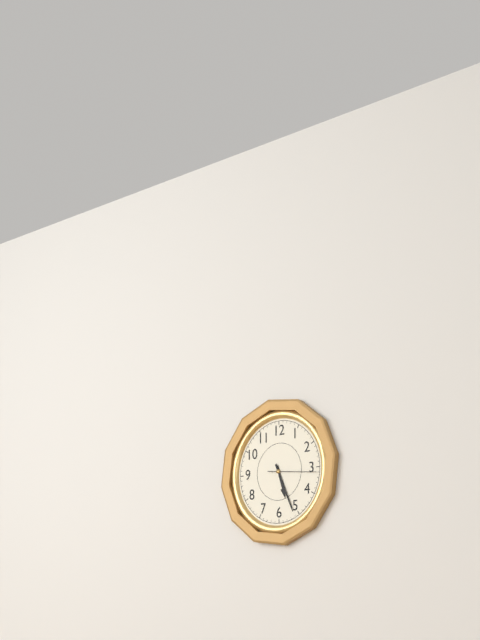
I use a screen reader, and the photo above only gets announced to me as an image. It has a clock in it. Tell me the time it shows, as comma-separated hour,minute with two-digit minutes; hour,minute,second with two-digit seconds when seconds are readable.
5,26
